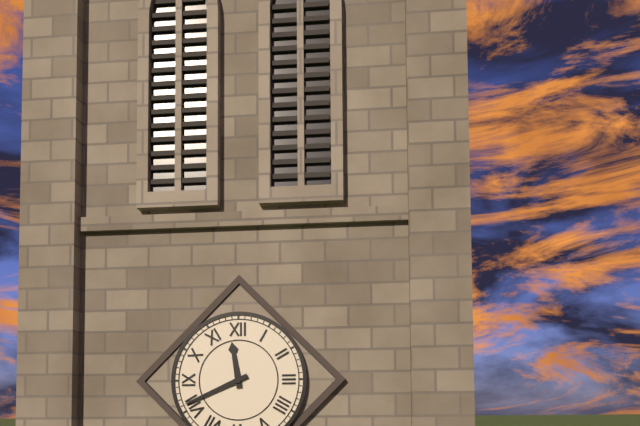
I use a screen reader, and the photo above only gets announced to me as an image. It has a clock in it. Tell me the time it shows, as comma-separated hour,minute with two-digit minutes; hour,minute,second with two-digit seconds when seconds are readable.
11,41
